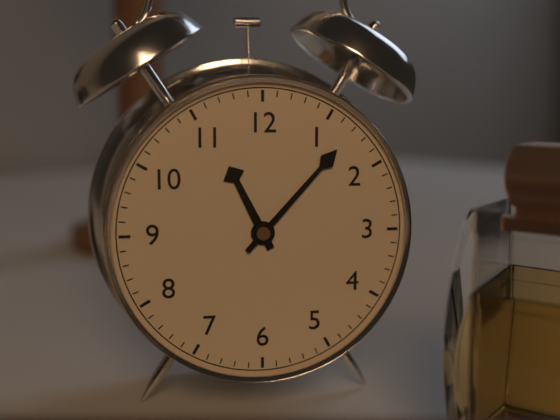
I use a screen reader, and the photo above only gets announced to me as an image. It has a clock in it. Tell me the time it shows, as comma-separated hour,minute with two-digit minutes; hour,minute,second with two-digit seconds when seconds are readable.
11,07
